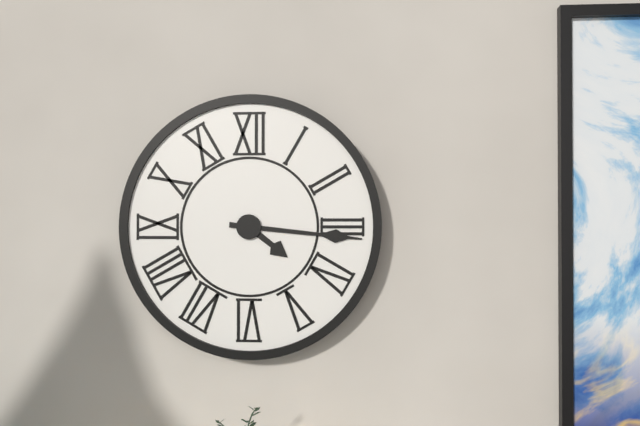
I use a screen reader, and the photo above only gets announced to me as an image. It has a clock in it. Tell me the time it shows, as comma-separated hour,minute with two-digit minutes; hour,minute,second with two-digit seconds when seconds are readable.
4,16
